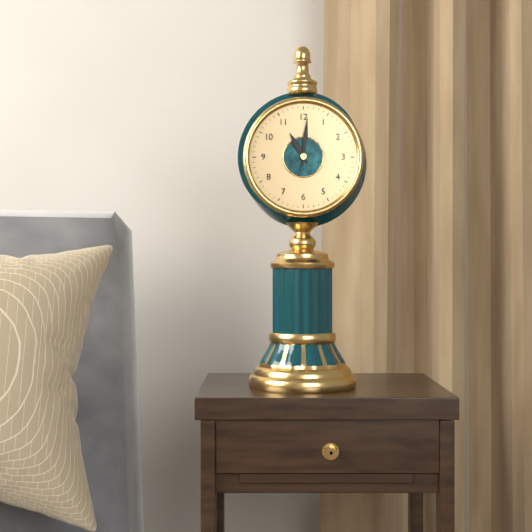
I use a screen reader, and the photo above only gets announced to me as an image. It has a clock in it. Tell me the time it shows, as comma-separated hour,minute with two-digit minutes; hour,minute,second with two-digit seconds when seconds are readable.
11,01
